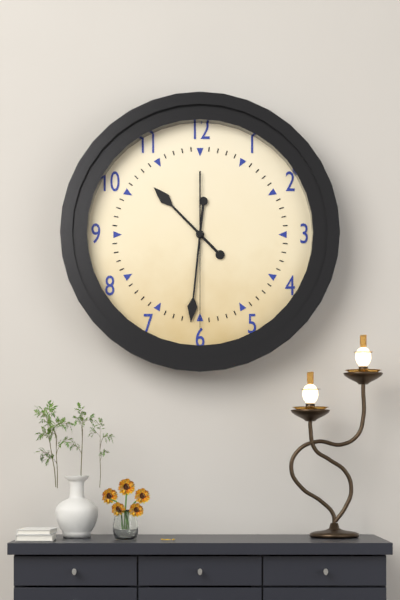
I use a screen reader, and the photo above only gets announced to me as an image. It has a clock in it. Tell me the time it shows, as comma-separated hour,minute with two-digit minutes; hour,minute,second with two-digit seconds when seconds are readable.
10,31,30
